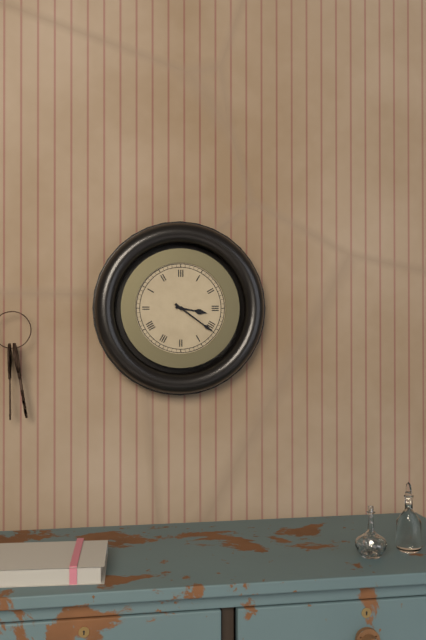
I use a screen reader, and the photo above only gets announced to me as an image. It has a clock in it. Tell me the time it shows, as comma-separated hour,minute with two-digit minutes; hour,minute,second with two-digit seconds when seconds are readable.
3,21
